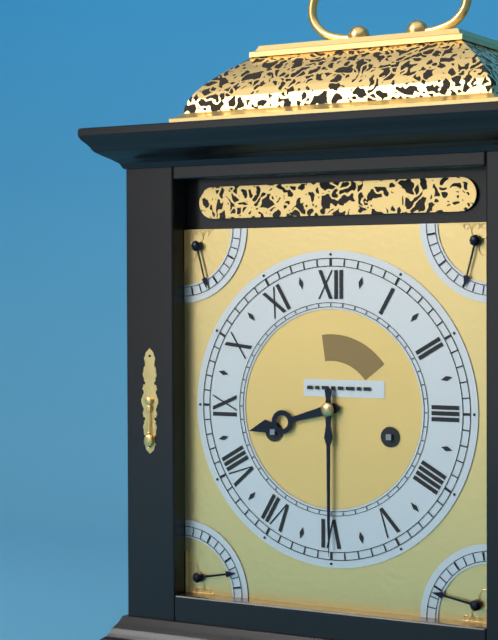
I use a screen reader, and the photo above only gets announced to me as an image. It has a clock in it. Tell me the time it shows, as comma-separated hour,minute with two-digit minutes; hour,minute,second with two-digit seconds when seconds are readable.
8,30
